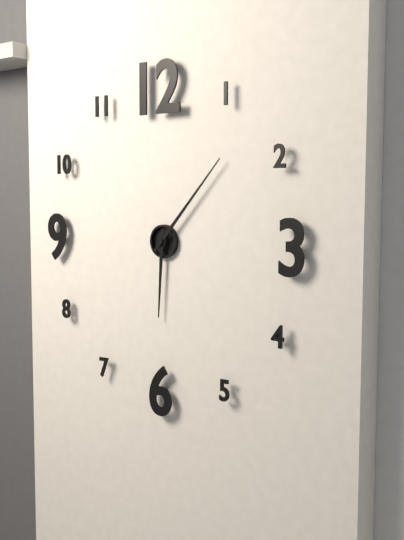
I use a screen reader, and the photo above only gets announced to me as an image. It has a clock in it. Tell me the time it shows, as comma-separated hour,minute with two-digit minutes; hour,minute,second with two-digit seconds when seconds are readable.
6,07
